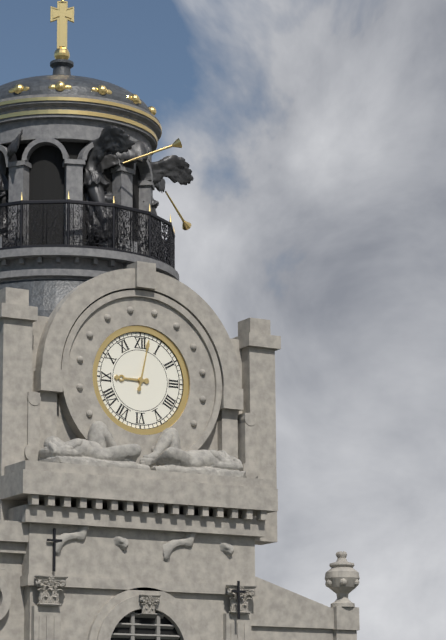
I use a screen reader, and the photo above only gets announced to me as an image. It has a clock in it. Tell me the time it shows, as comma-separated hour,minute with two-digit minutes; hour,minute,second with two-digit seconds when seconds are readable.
9,02
